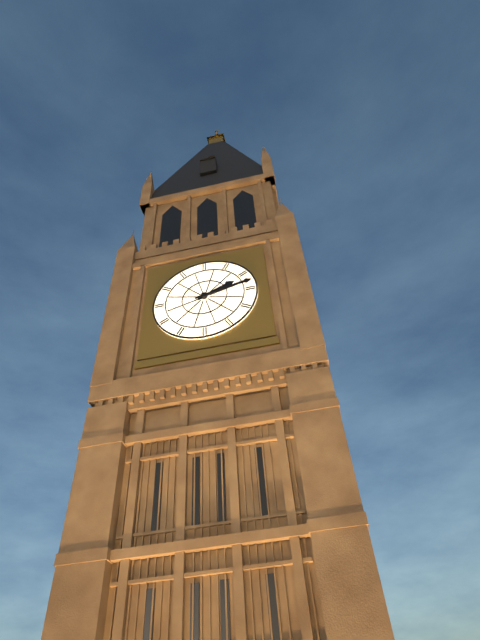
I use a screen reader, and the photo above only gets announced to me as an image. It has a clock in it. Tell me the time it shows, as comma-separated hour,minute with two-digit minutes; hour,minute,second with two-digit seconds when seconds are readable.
2,13
